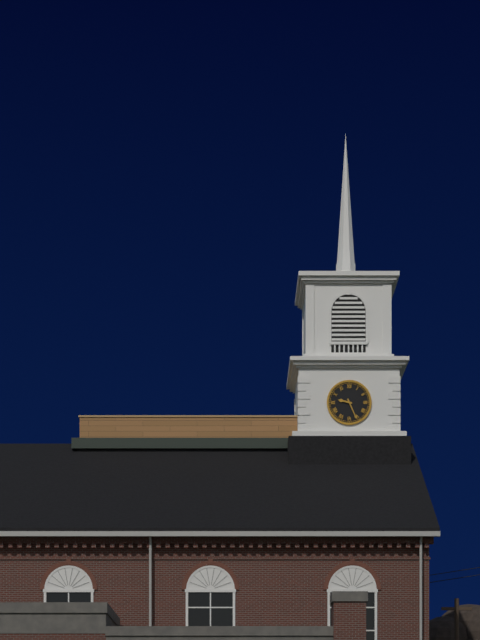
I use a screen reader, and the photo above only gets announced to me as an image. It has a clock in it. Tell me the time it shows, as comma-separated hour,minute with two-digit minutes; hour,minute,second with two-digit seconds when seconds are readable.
9,26
